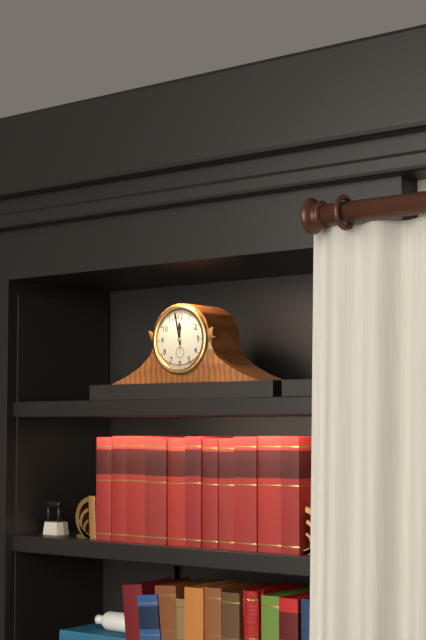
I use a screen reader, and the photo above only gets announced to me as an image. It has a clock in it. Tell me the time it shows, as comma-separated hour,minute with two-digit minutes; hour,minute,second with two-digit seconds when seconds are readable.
11,58
